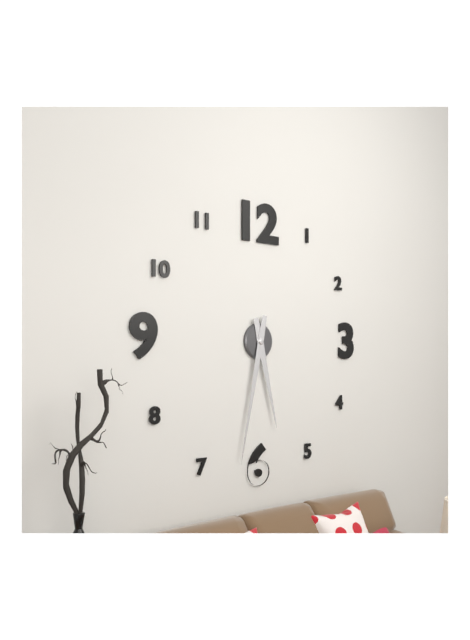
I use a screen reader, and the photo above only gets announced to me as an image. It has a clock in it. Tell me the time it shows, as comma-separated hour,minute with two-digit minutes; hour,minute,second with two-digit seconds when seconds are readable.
5,32
